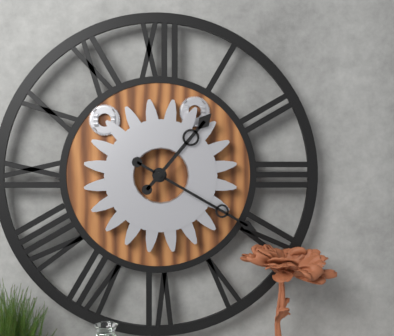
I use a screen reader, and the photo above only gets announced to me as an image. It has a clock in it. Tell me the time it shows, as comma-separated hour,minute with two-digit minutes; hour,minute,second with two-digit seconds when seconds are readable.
1,20
